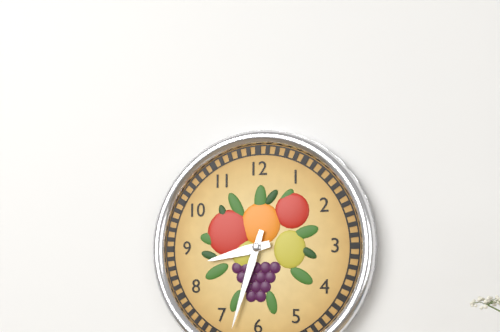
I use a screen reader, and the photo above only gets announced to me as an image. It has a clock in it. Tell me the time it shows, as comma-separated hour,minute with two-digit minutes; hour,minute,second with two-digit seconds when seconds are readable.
8,33
